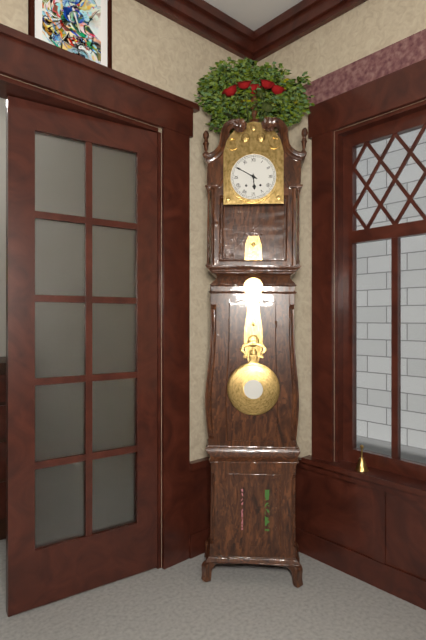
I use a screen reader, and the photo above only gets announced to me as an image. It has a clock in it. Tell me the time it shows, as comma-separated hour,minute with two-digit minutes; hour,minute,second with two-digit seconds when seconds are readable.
5,50
